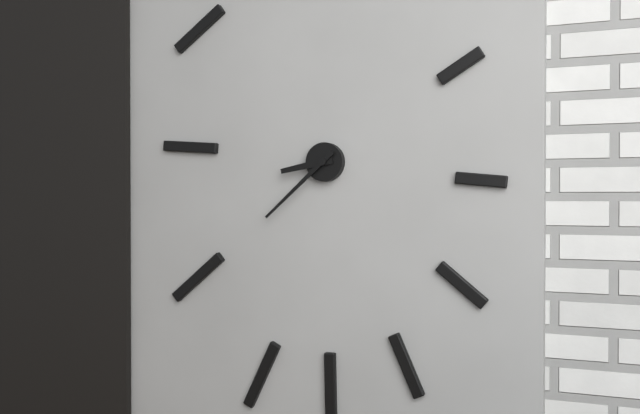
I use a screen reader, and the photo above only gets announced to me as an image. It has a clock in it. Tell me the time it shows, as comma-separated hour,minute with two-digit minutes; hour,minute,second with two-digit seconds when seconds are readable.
8,38
